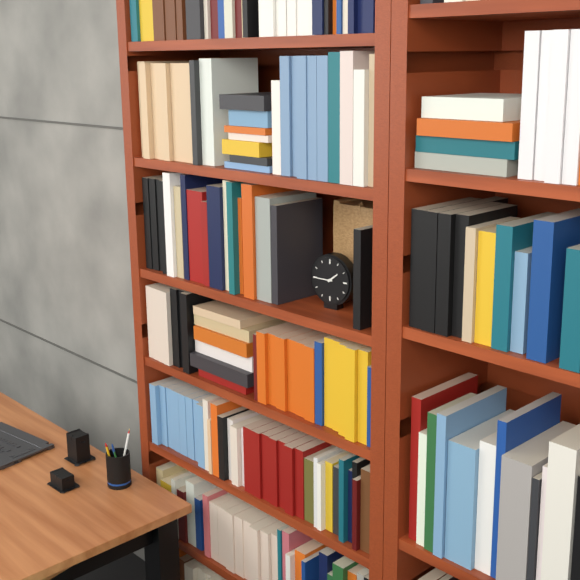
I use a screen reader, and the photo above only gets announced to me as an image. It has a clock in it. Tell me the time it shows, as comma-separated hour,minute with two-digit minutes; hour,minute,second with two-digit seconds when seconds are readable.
1,45
